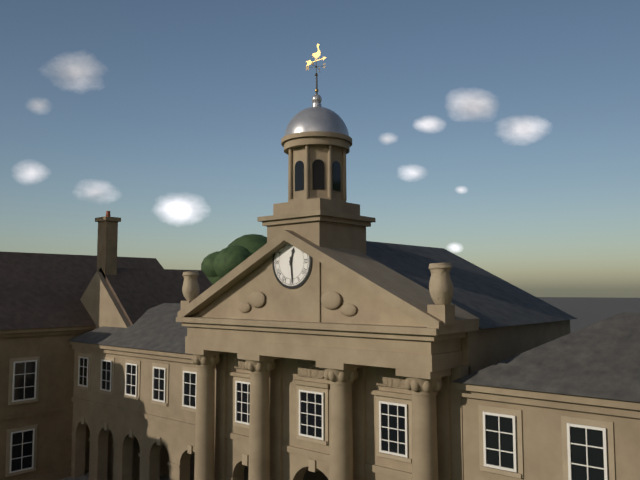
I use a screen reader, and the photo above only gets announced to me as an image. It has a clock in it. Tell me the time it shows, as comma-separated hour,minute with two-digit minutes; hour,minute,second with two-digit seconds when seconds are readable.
12,29
